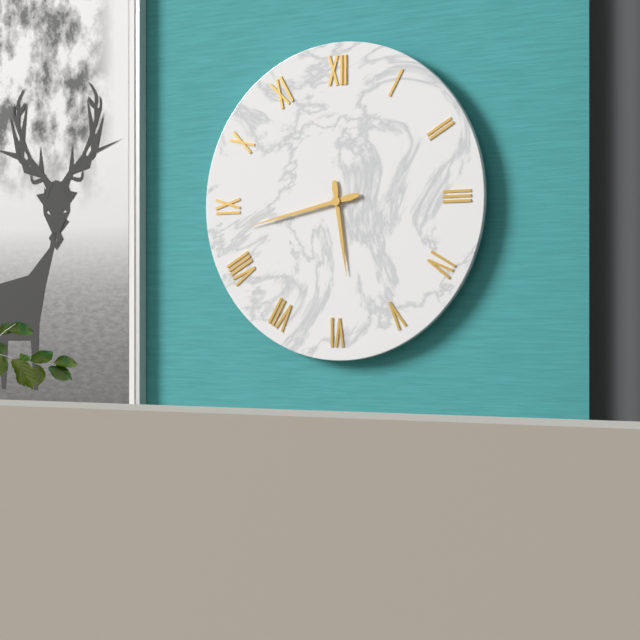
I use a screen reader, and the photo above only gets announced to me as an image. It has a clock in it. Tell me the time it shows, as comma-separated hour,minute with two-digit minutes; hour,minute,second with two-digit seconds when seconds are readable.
5,43
